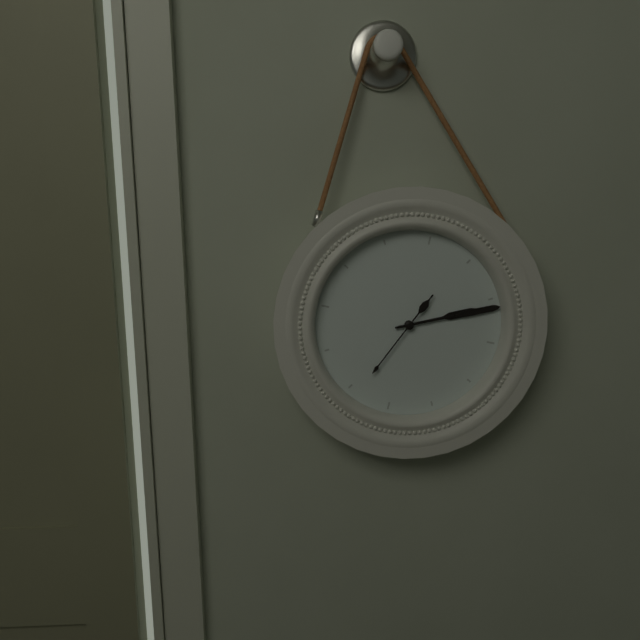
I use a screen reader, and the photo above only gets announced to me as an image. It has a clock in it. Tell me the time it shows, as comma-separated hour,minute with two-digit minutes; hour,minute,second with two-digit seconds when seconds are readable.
2,11,34
